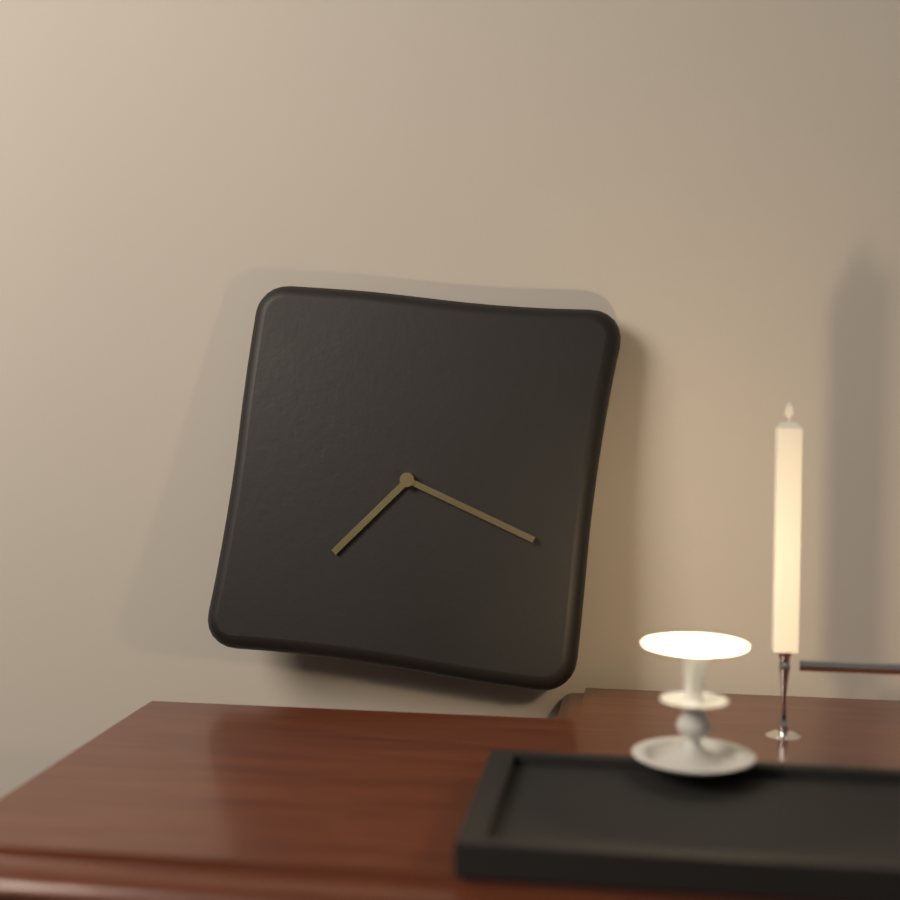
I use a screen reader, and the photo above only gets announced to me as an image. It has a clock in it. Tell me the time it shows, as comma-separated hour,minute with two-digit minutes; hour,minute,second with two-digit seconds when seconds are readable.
7,18
